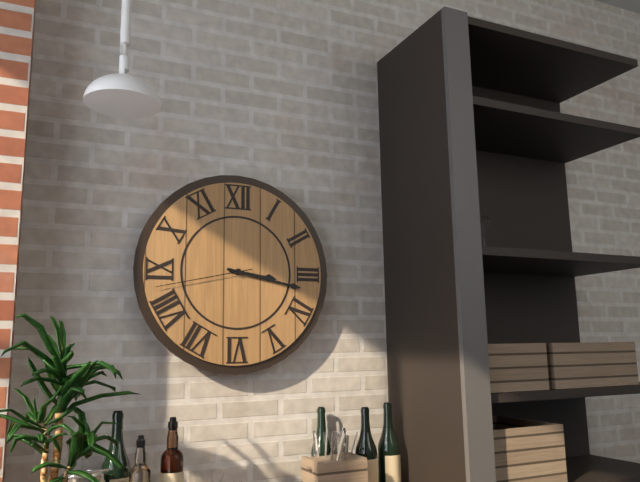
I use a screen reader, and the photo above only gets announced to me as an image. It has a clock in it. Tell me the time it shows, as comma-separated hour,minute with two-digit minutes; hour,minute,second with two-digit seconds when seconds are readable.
3,17,43
